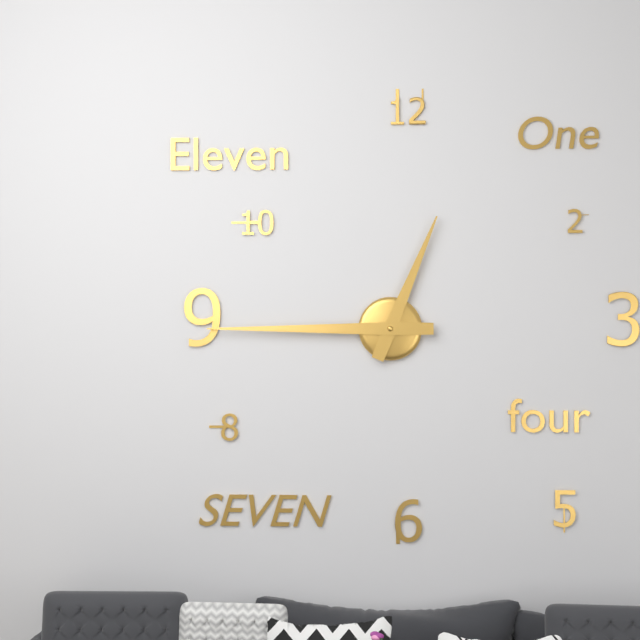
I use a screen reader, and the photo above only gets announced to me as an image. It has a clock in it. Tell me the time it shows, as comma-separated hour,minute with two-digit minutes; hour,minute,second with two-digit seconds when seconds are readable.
12,45
